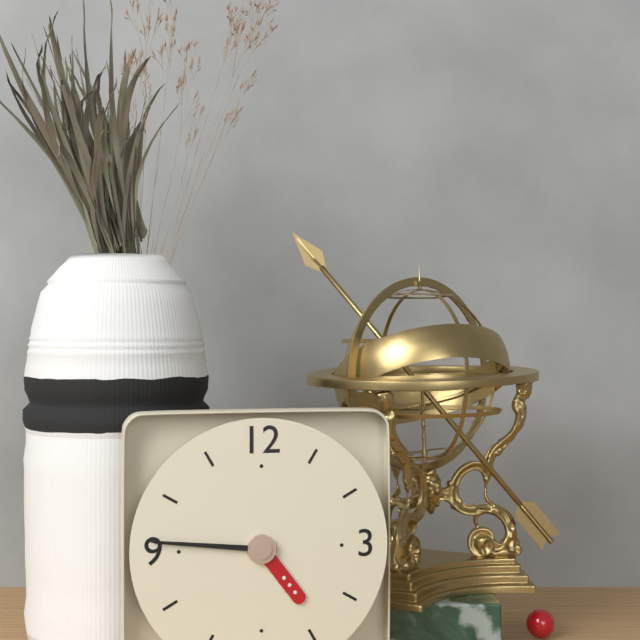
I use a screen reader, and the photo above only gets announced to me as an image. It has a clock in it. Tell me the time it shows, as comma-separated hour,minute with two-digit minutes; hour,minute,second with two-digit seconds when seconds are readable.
4,46
